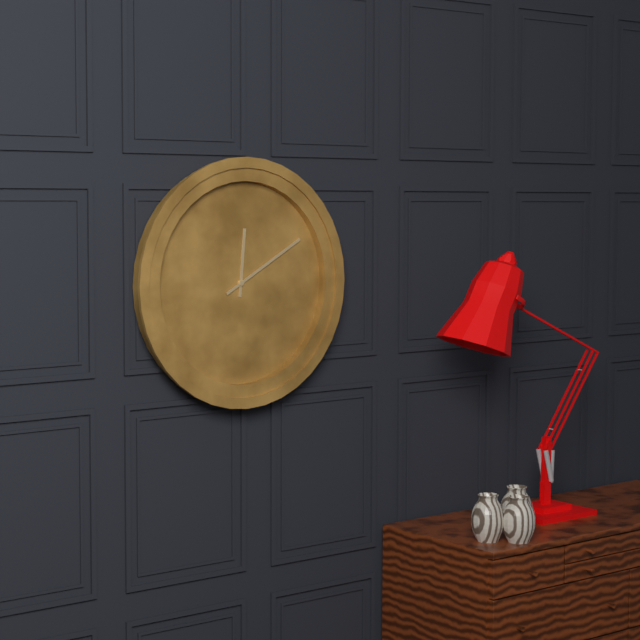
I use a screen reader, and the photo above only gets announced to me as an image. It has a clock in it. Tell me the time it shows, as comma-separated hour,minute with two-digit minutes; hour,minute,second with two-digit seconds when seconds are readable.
12,10
